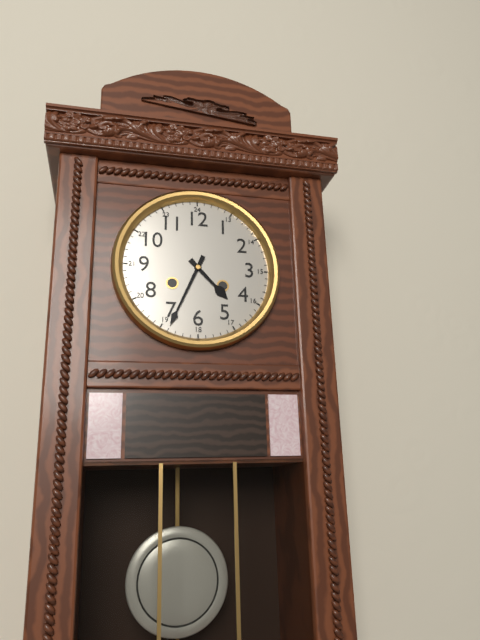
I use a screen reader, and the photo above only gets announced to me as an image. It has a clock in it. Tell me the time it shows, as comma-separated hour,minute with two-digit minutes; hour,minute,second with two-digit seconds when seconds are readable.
4,34
